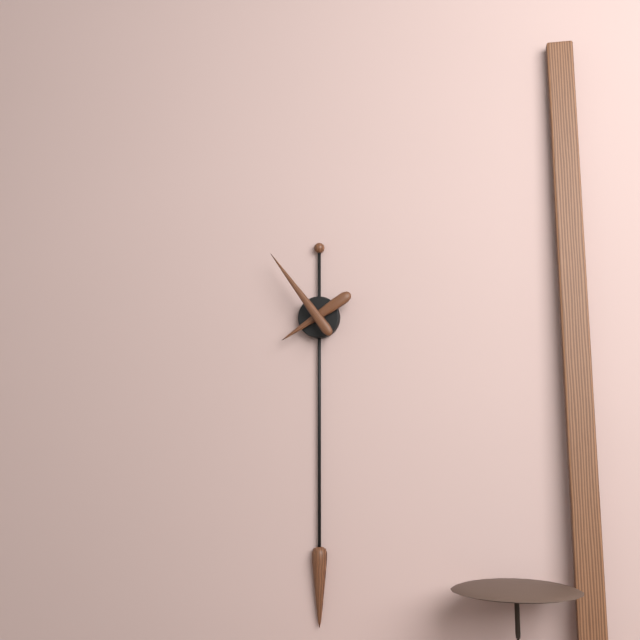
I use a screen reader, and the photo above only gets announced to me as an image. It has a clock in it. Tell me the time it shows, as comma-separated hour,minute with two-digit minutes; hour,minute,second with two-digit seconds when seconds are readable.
7,54
